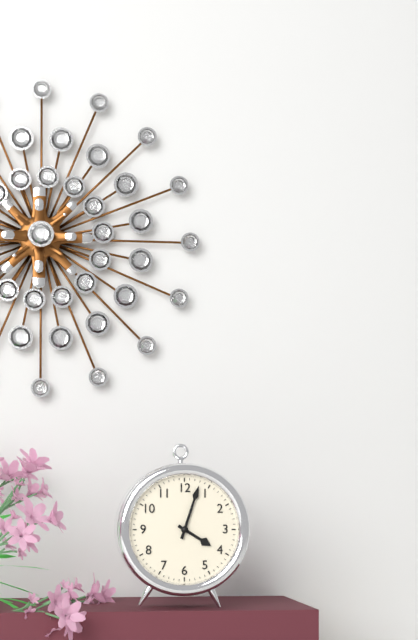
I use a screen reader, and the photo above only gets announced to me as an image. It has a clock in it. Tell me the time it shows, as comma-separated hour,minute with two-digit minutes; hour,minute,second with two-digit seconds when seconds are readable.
4,03
